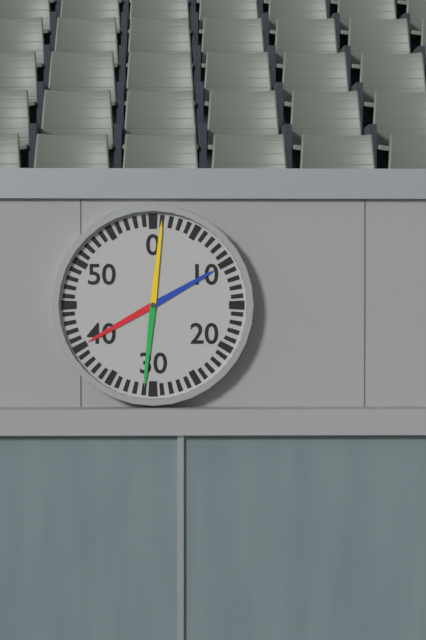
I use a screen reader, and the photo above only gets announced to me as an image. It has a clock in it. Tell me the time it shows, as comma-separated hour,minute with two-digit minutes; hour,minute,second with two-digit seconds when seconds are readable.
8,01
